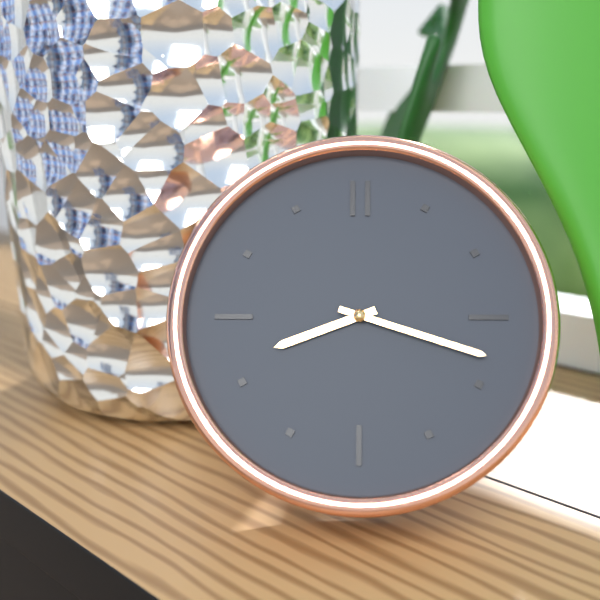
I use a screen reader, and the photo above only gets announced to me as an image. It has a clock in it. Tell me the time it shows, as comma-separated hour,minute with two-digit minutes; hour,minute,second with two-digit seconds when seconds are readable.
8,18
